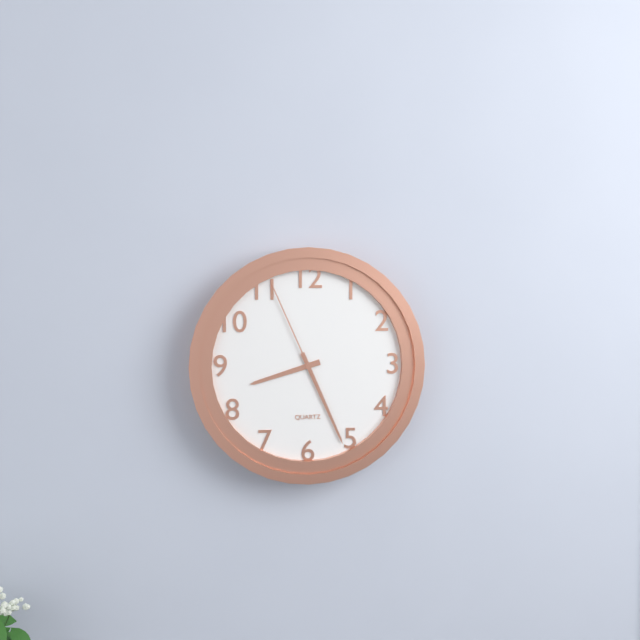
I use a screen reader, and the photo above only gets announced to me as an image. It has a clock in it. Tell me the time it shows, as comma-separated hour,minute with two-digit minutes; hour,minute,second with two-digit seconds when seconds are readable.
8,26,56
